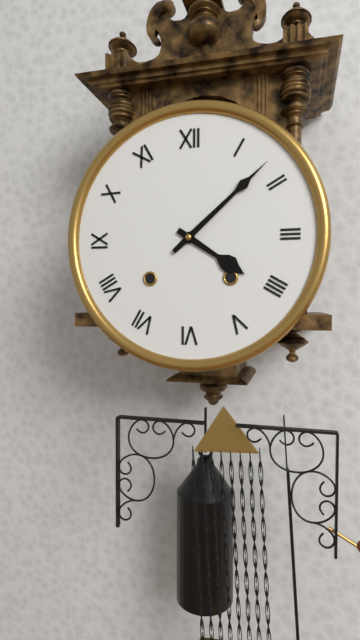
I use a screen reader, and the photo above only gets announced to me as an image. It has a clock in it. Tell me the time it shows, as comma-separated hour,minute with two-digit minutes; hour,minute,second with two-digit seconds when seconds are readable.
4,08
